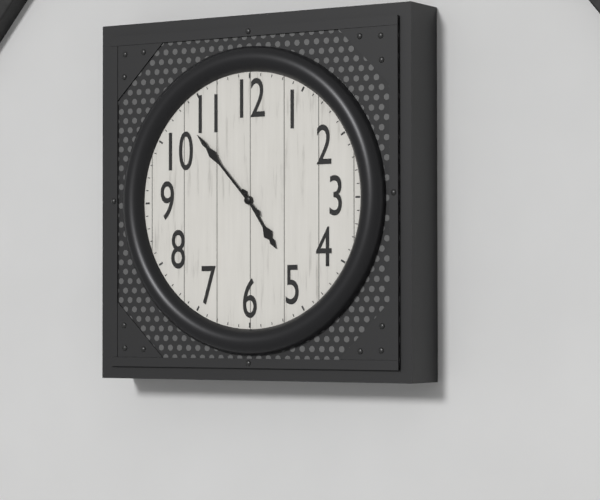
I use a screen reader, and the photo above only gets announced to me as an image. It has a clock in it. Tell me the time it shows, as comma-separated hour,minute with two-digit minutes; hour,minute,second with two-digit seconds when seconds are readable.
4,53
